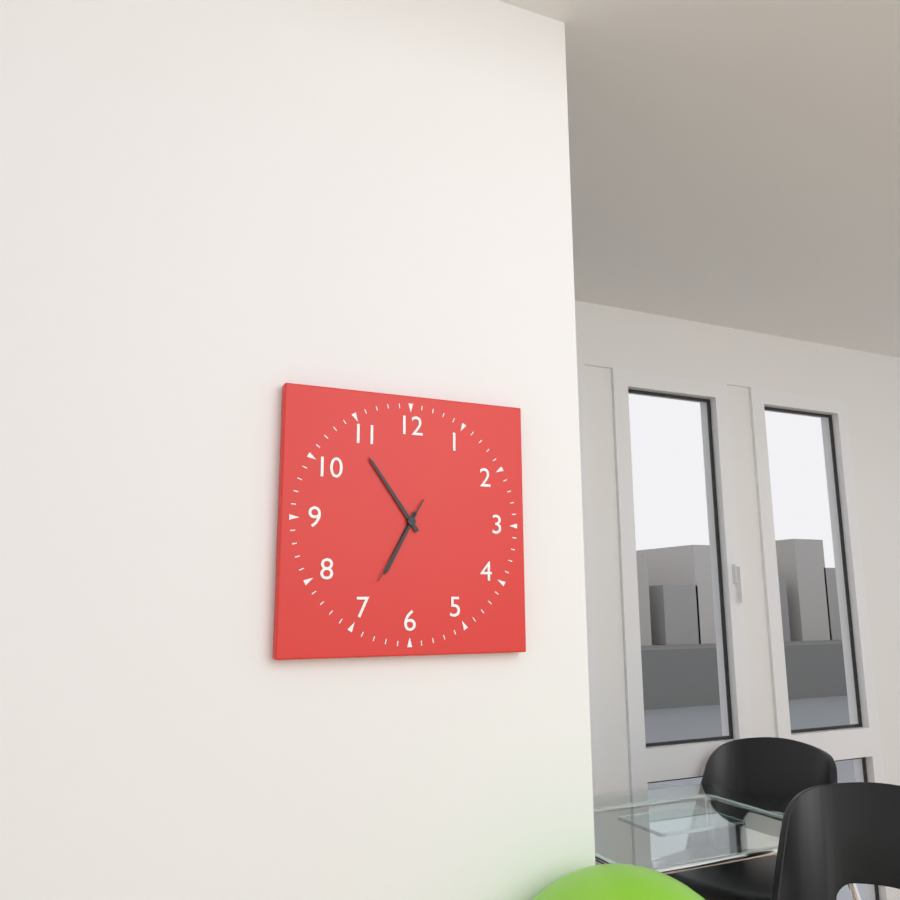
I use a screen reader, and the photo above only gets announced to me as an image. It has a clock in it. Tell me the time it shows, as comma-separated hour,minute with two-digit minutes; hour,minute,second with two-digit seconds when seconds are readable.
6,54,35
